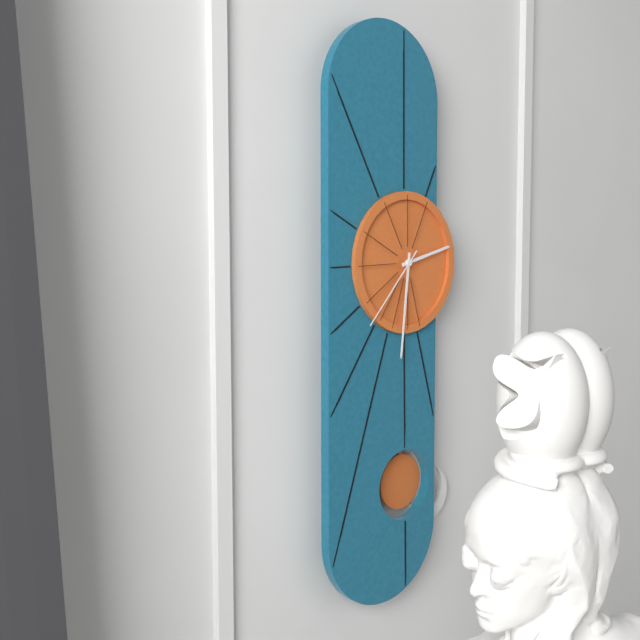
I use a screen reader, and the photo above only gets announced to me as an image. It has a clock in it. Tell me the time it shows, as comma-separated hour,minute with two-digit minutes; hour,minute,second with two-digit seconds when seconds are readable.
2,31,37
